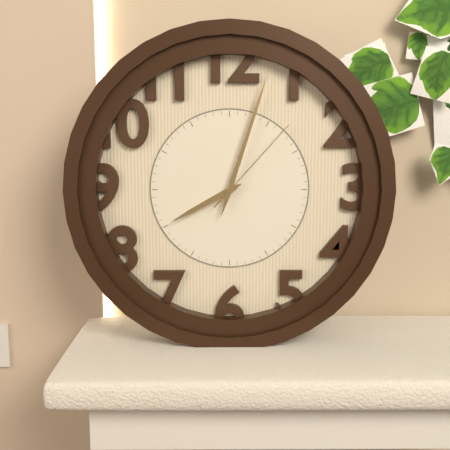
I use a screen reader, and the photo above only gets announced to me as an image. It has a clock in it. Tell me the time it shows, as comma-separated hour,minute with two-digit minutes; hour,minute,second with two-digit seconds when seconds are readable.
8,03,07
